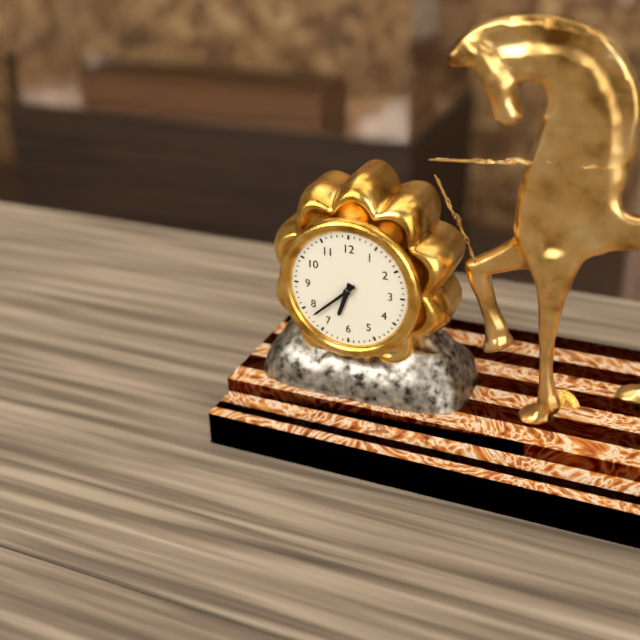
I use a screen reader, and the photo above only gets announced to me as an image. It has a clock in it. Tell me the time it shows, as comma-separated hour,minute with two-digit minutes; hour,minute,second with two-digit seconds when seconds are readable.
6,38
